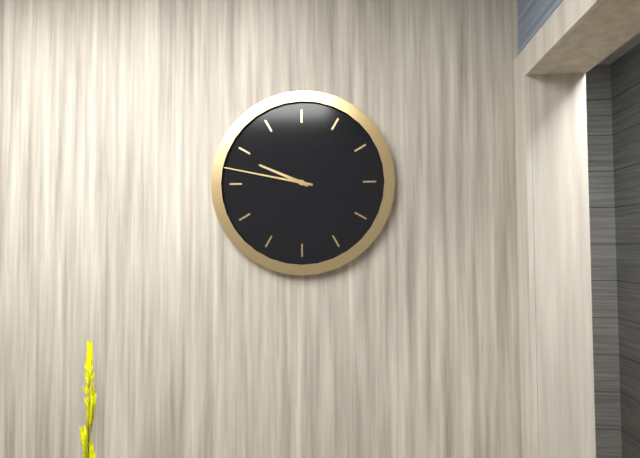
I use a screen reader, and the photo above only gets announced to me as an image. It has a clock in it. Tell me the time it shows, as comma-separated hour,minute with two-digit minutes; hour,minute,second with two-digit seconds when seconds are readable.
9,47
